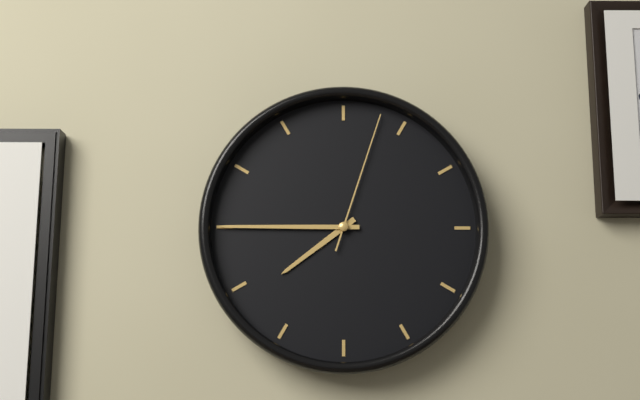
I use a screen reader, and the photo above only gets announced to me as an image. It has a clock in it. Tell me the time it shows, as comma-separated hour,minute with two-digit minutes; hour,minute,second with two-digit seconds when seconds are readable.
7,45,03
